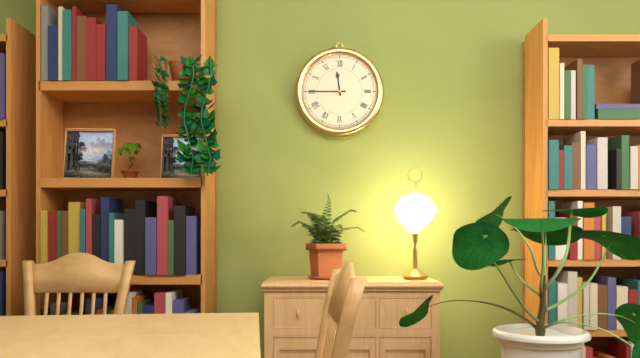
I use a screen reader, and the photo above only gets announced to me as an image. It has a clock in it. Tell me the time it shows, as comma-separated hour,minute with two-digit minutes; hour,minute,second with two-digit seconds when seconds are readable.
11,45
